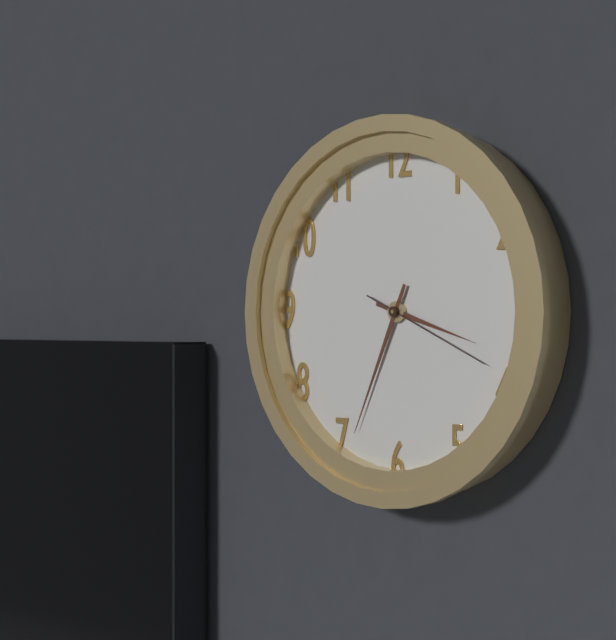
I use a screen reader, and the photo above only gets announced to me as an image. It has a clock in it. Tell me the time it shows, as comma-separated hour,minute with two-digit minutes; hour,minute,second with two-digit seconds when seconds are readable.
3,34,19
